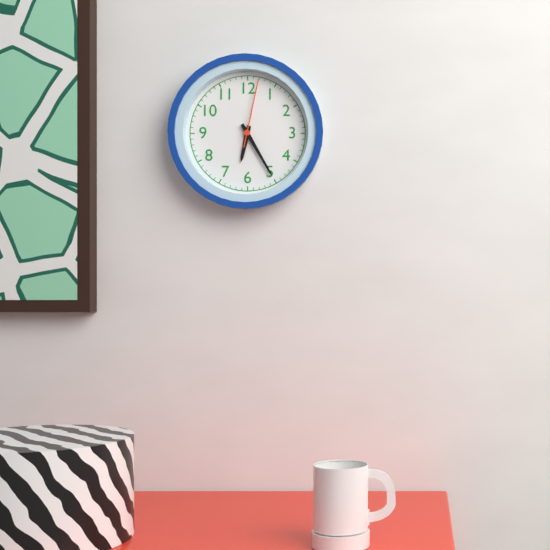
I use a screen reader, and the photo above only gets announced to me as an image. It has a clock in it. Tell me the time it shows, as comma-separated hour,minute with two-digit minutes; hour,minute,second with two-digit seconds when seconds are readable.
6,25,02
